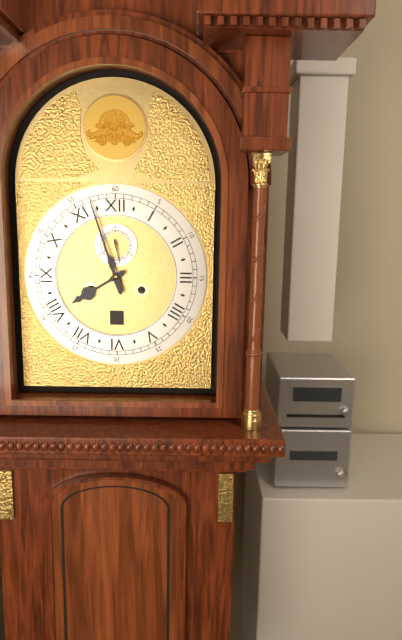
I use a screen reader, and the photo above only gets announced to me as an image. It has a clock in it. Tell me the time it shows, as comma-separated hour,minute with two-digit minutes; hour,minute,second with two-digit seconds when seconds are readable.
7,57
